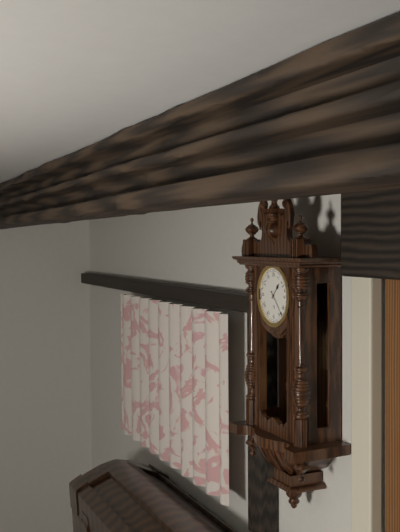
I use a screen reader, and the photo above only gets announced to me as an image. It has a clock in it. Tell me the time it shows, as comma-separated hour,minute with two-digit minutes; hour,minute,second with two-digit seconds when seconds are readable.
1,23
